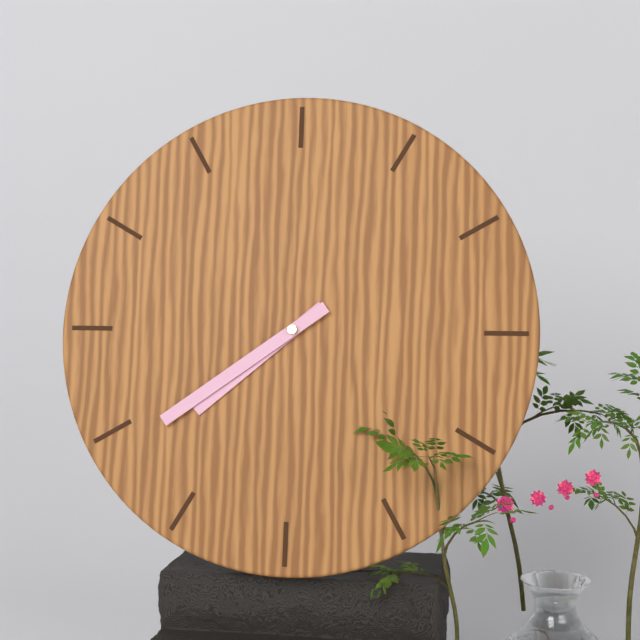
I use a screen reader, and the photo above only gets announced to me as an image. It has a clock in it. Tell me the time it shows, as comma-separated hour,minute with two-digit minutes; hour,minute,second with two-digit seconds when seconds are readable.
7,39
